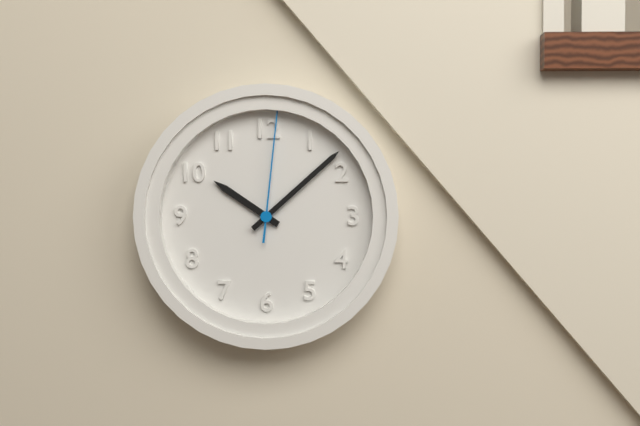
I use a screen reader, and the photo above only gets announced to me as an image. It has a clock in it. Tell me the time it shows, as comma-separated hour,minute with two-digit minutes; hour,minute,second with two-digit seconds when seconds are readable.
10,08,01
